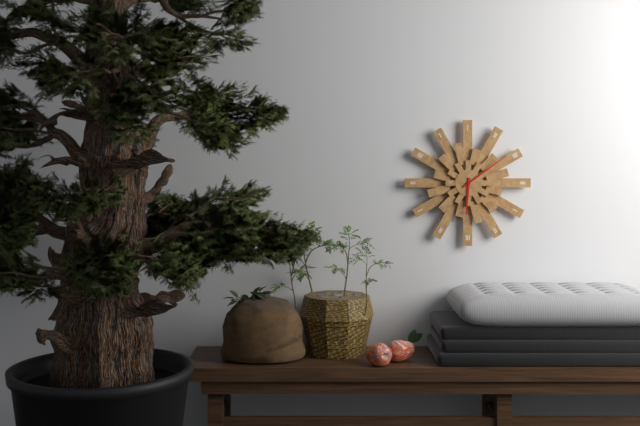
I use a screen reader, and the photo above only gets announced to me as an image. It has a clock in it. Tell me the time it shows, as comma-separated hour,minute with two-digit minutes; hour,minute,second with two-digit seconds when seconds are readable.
6,09
